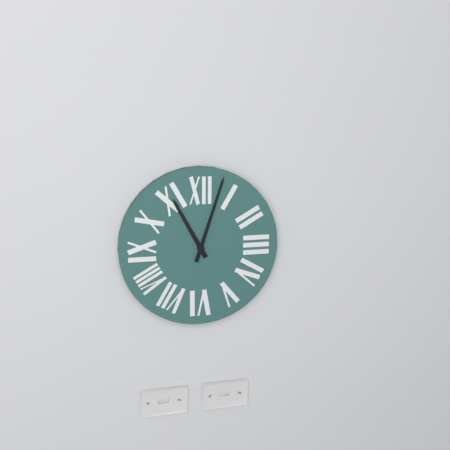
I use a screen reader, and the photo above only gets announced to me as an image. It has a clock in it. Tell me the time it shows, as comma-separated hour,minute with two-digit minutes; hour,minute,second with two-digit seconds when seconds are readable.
11,03
